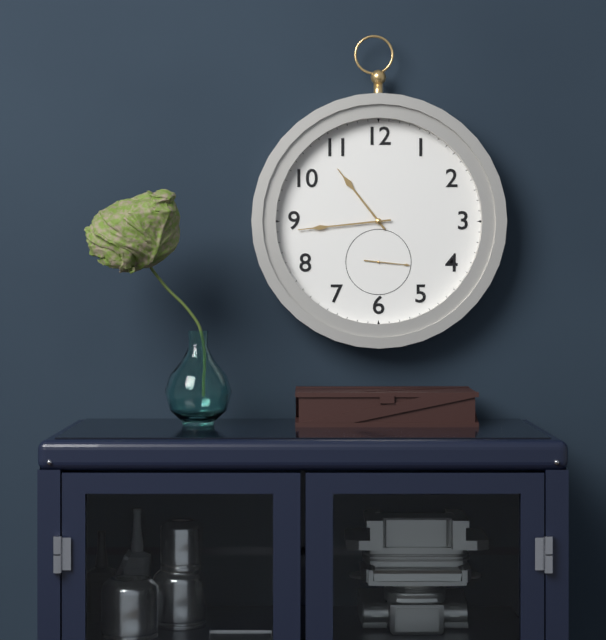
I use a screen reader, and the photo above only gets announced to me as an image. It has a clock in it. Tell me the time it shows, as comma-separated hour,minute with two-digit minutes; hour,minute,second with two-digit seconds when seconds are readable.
10,44
